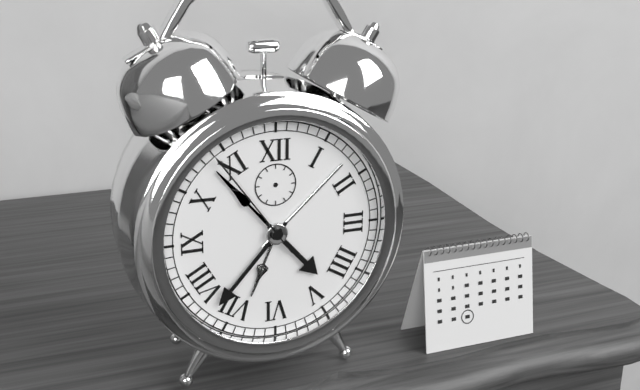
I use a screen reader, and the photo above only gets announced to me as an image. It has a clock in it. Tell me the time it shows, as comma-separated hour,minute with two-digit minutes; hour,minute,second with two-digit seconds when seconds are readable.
4,37,54
